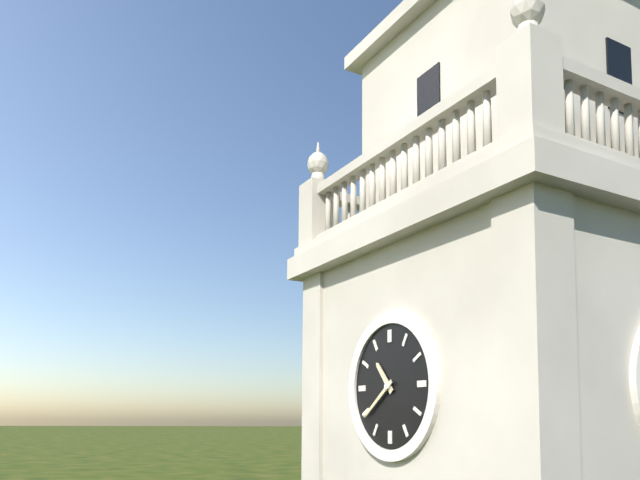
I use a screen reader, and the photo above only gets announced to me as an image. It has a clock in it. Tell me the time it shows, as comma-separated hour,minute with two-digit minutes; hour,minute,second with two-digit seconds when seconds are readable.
10,39
